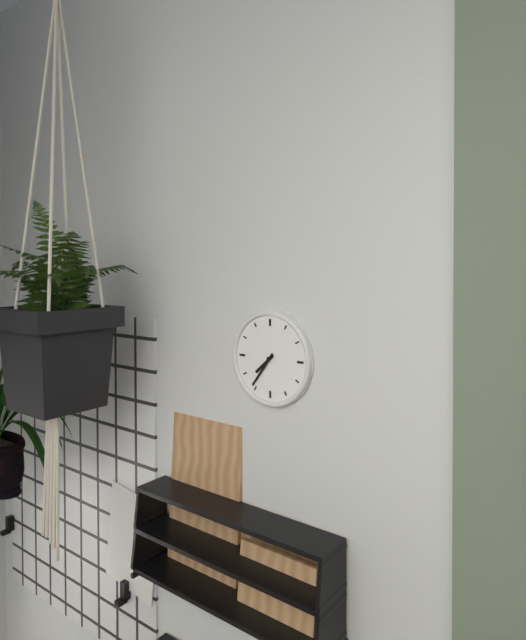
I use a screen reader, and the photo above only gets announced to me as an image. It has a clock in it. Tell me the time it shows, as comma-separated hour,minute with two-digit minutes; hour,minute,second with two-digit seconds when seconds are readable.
7,36
